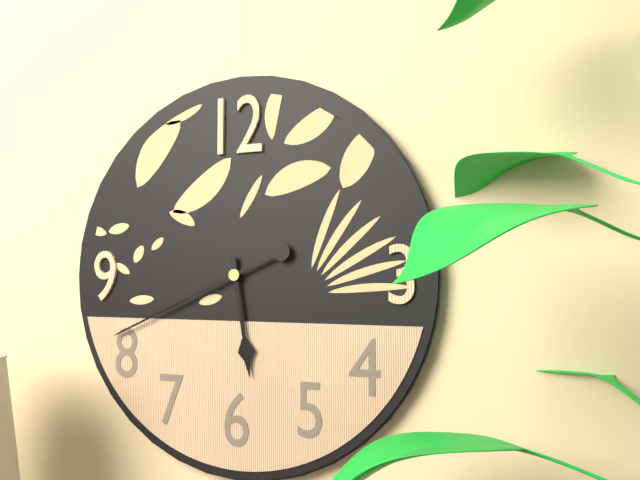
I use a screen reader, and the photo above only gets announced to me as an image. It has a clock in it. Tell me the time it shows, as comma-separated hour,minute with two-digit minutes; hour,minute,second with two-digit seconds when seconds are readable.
5,41
